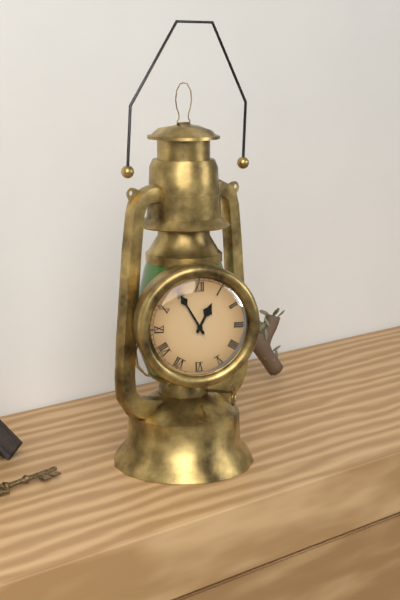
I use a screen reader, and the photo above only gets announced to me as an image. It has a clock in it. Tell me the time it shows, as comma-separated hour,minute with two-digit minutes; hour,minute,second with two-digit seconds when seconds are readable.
12,55
